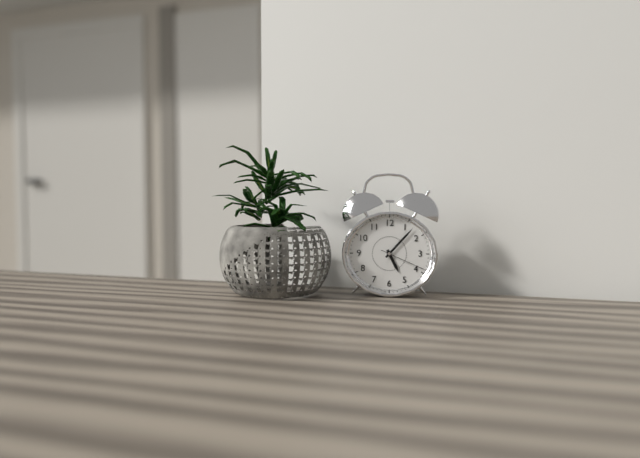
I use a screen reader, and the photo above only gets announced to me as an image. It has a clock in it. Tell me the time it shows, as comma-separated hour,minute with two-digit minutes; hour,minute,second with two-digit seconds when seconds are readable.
5,07
